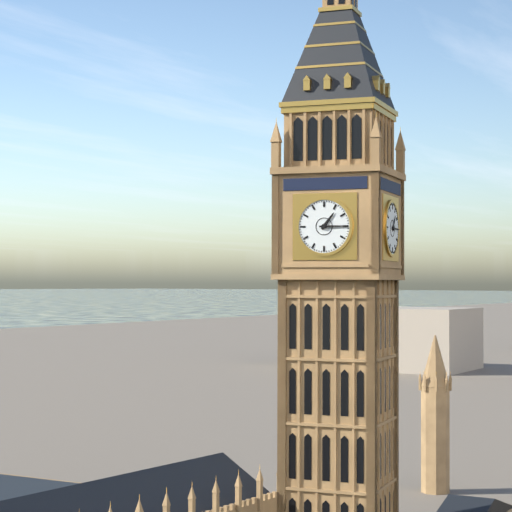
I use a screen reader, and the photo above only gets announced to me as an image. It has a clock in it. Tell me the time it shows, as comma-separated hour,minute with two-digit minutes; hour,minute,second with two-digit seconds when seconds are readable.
1,15
